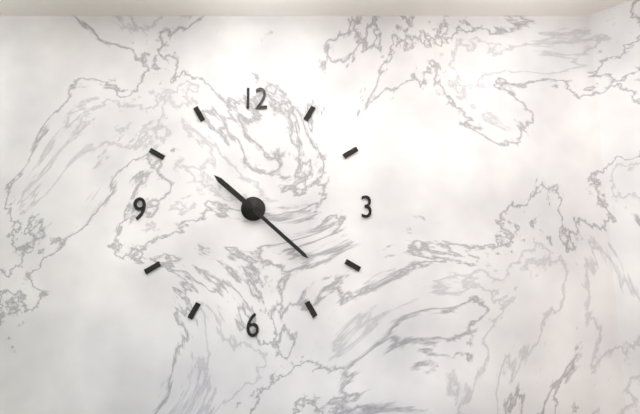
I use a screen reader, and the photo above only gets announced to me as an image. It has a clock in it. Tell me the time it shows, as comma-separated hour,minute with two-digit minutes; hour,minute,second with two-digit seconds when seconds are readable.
10,22
